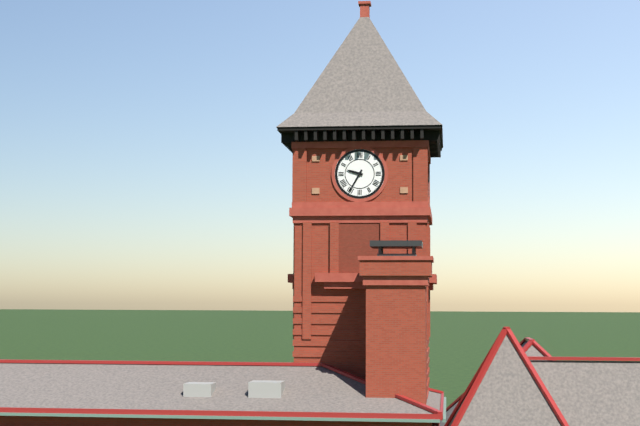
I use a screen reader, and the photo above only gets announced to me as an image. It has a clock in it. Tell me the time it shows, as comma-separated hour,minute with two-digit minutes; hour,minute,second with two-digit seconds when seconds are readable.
9,35
